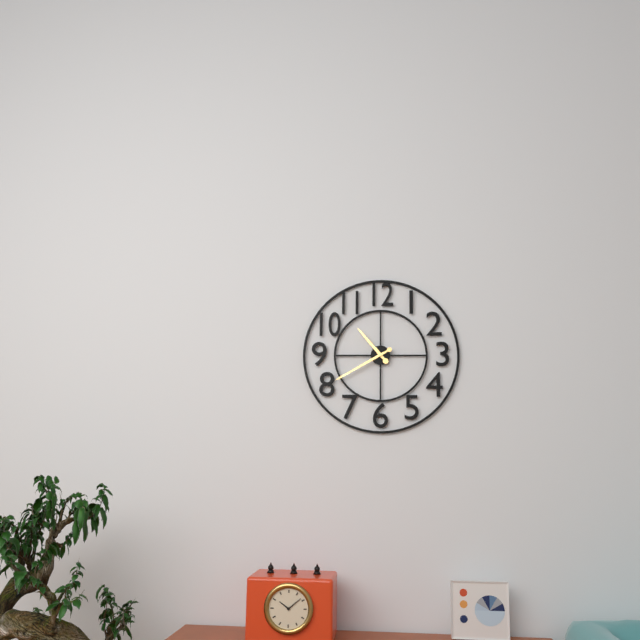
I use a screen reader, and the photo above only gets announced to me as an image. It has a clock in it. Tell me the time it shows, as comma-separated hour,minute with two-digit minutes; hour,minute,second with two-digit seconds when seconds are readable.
10,40
